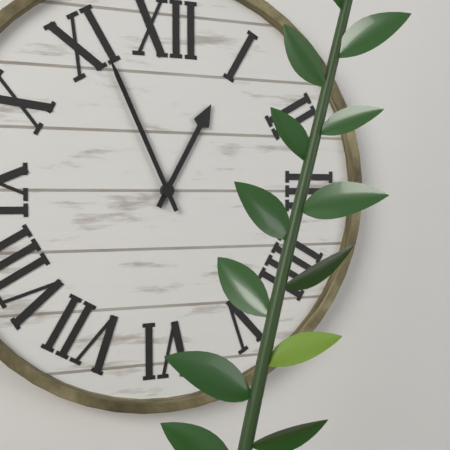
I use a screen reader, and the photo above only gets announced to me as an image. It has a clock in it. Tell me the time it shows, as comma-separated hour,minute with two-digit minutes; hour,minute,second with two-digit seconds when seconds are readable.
12,56
